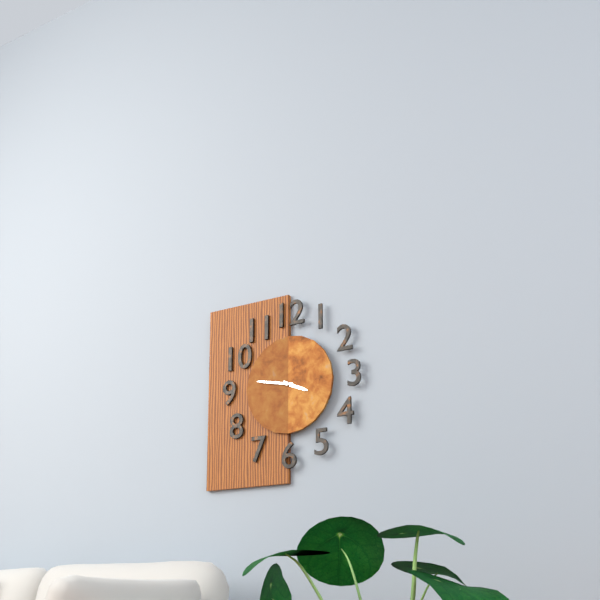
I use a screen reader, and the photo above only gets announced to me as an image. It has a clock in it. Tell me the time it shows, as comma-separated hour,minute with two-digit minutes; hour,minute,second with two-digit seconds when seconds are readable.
3,47
